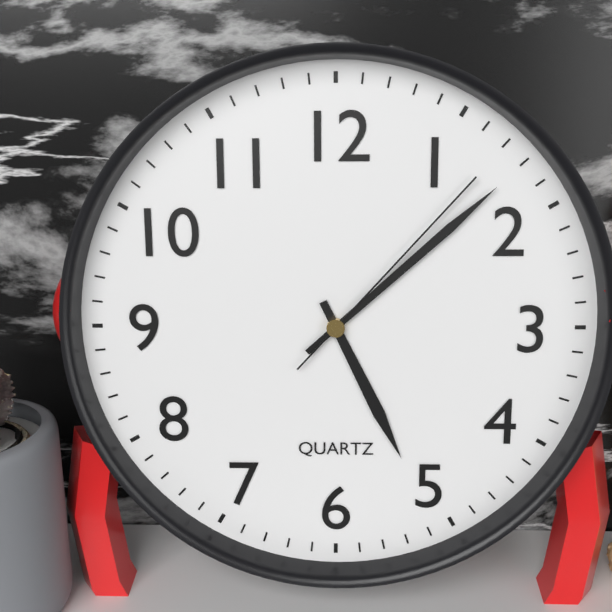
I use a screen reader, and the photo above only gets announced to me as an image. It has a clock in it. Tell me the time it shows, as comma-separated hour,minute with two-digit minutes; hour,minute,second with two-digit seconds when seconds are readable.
5,08,07
